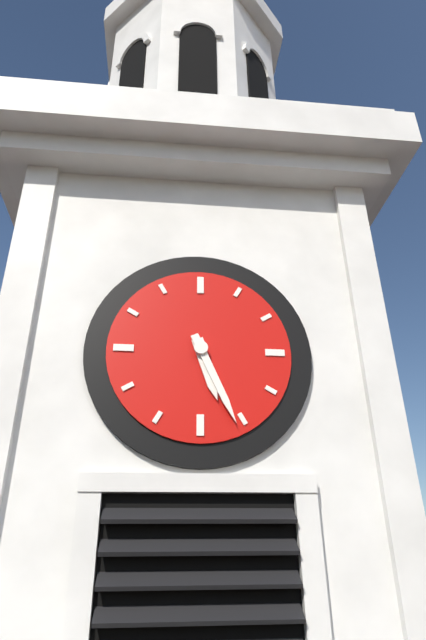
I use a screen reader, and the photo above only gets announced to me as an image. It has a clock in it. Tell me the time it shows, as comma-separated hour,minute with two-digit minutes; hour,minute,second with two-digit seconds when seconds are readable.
5,26
